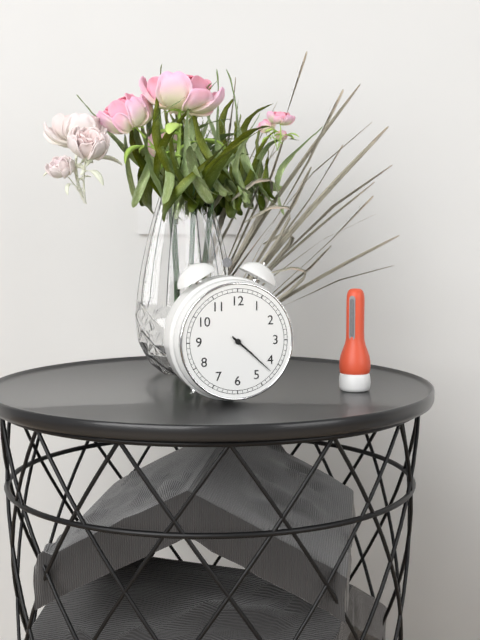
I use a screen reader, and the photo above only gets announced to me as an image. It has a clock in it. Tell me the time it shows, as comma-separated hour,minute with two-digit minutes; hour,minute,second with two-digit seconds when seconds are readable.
4,22
